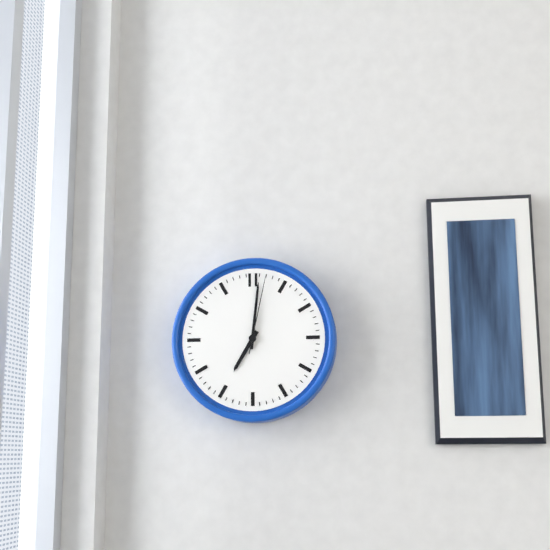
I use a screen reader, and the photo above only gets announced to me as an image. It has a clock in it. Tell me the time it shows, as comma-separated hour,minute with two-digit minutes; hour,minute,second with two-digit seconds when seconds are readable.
7,01,02
